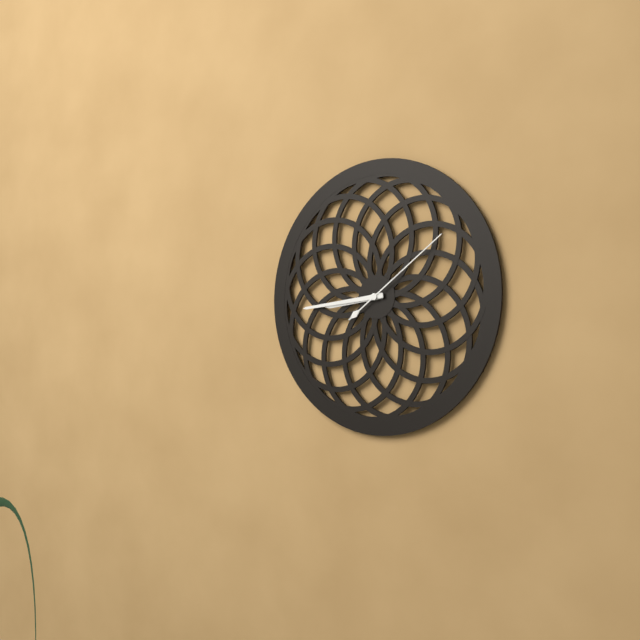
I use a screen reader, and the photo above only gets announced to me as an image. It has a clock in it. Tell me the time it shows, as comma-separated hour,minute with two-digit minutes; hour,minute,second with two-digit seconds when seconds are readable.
8,44,09
